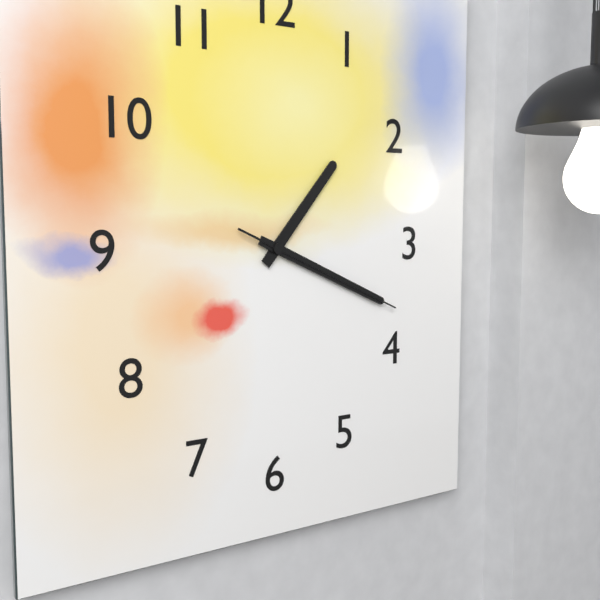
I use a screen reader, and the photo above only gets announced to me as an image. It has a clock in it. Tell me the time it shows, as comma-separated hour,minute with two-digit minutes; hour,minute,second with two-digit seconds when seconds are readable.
1,19,19
